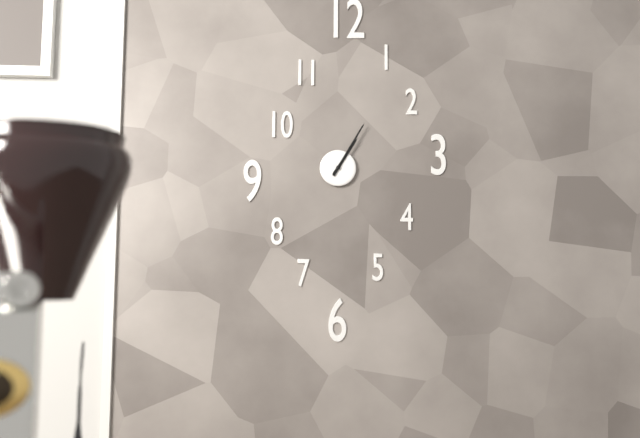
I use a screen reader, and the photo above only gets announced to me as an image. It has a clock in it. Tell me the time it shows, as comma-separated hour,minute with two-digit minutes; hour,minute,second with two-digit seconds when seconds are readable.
1,05
